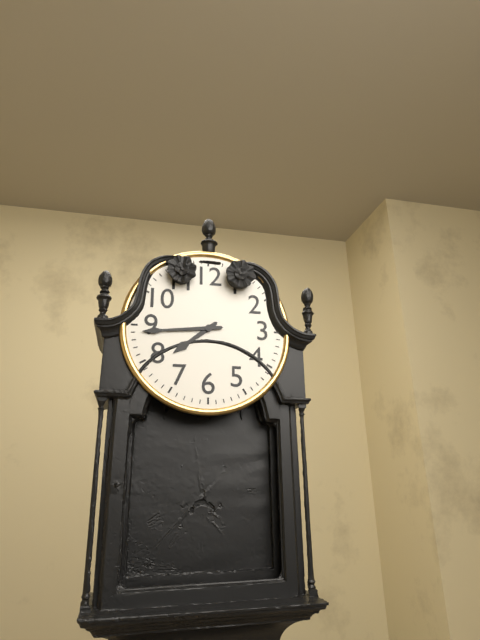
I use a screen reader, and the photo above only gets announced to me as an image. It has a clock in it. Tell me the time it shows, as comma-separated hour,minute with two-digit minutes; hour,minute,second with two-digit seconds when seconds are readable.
7,44
